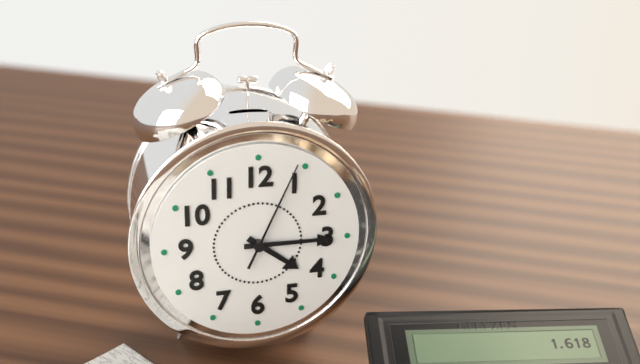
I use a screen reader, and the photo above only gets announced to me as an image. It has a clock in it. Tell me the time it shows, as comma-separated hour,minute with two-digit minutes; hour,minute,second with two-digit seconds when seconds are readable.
4,15,04
